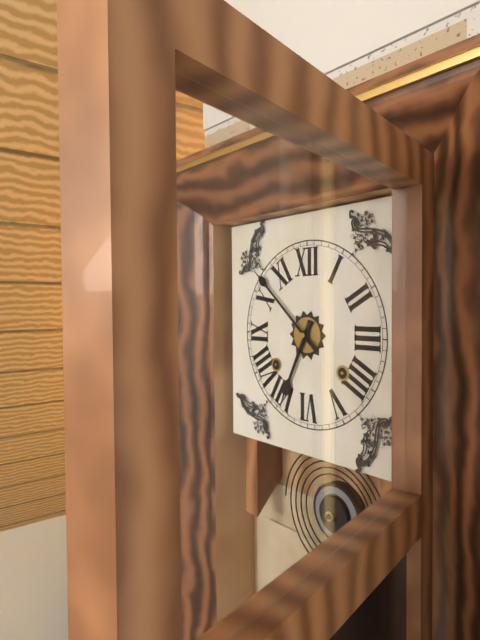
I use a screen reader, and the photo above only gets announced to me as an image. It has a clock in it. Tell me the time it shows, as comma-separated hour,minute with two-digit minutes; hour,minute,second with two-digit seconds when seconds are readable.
6,52
